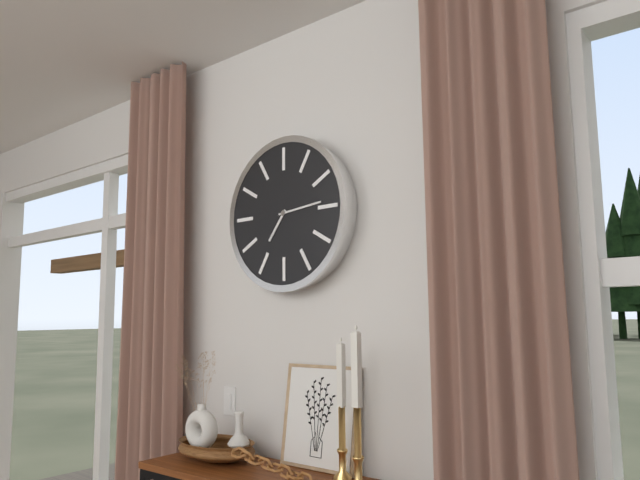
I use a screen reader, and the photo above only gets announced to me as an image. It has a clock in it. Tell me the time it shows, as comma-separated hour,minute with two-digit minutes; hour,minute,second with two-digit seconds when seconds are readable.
7,14
